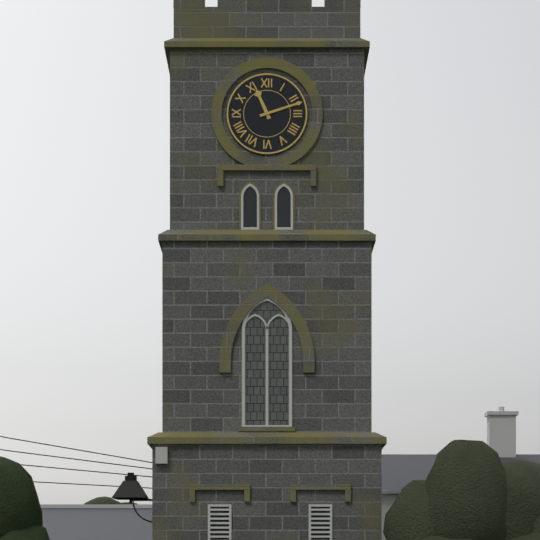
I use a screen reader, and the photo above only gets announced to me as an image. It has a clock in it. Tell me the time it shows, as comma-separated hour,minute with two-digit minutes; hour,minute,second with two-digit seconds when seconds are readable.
11,12
